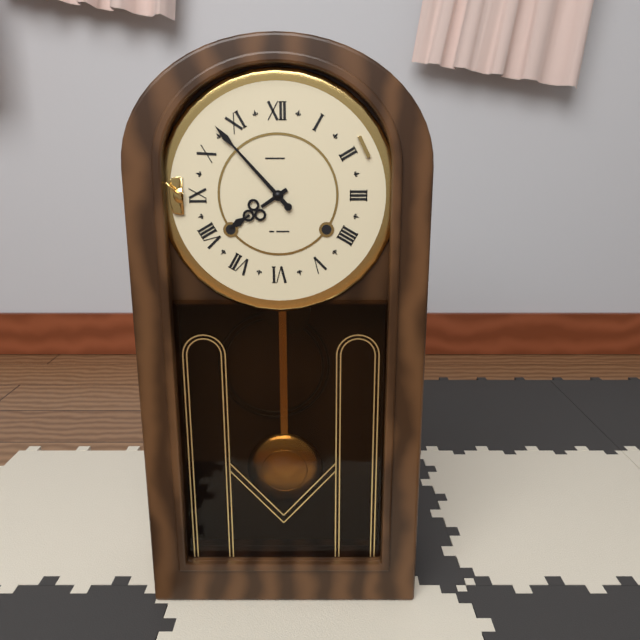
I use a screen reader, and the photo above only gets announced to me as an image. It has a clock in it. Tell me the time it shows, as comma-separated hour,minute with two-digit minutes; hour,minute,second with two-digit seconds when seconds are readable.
7,53
